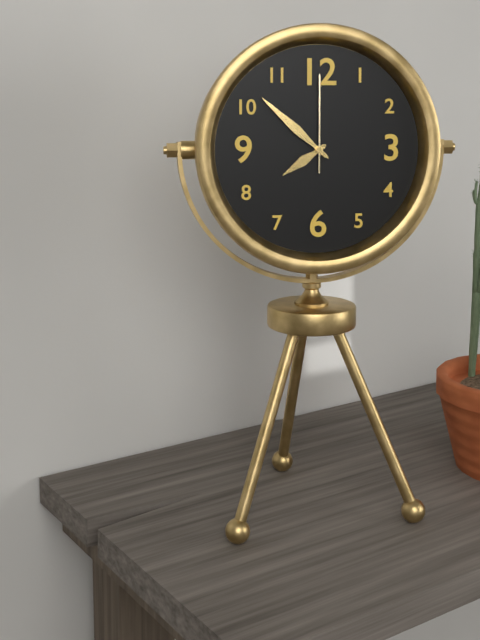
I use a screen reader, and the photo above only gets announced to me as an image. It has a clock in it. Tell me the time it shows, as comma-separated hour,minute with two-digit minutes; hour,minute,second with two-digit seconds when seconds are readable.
7,52,00
